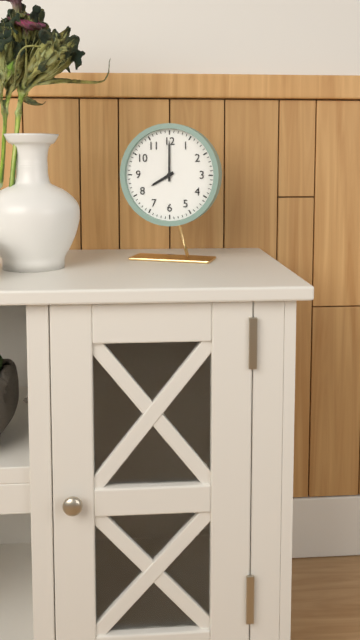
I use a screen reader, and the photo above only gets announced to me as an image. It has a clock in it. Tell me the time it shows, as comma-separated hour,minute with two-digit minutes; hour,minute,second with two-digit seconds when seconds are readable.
8,00
